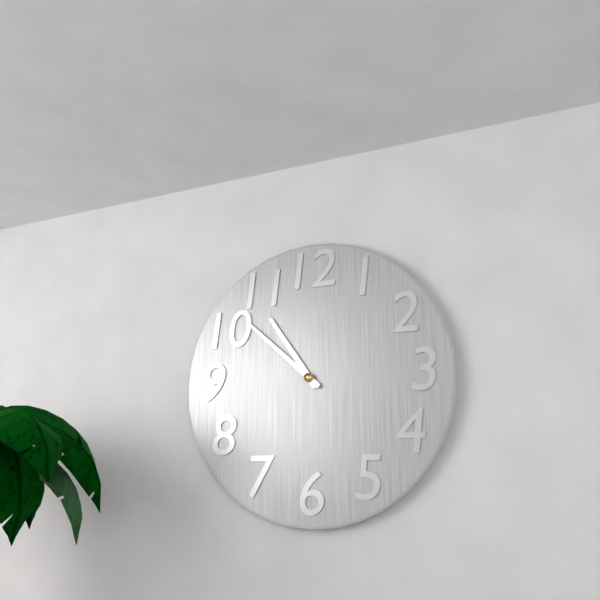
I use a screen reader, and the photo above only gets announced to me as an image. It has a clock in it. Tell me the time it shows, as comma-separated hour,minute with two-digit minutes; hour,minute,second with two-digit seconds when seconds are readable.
10,52
